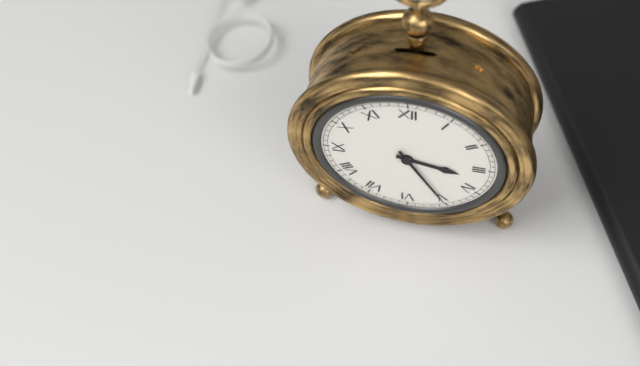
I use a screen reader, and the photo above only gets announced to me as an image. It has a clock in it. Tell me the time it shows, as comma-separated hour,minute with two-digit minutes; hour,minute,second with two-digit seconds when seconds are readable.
3,25
